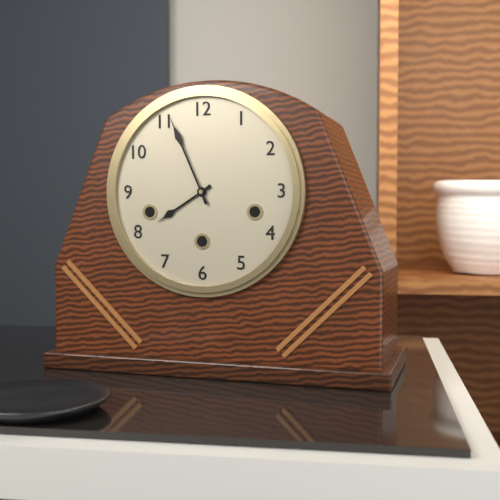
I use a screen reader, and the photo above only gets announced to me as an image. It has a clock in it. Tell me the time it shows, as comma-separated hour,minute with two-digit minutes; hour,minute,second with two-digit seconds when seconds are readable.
7,56
